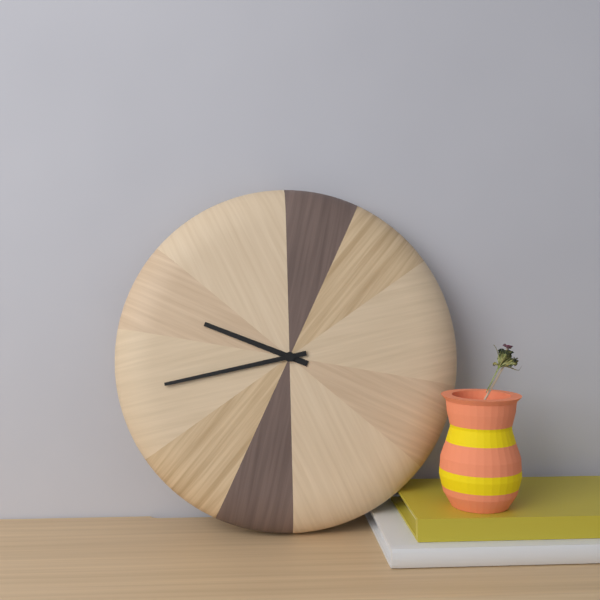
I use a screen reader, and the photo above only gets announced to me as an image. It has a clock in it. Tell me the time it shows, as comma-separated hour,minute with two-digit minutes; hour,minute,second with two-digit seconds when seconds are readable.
9,43
